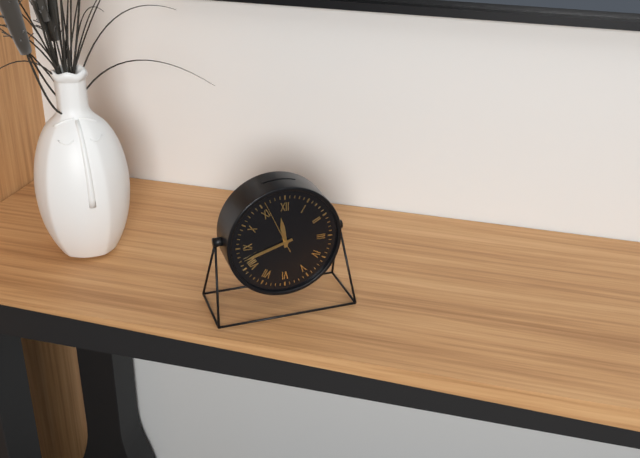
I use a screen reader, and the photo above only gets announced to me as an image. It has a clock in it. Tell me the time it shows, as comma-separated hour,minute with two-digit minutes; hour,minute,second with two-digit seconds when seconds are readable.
11,42,56
